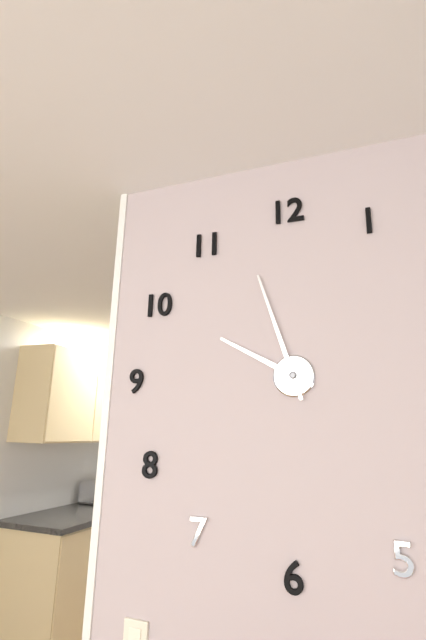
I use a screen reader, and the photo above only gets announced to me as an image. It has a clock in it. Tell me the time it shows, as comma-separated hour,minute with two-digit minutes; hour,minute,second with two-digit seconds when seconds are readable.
9,57
